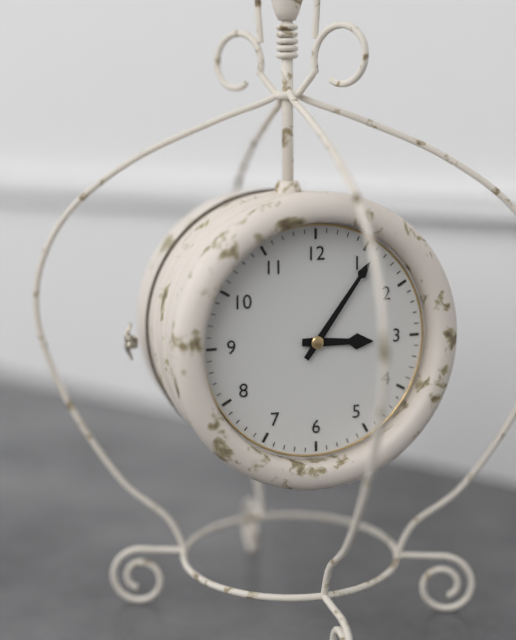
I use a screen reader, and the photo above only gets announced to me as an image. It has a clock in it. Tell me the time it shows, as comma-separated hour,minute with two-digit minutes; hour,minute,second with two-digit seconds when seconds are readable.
3,06
